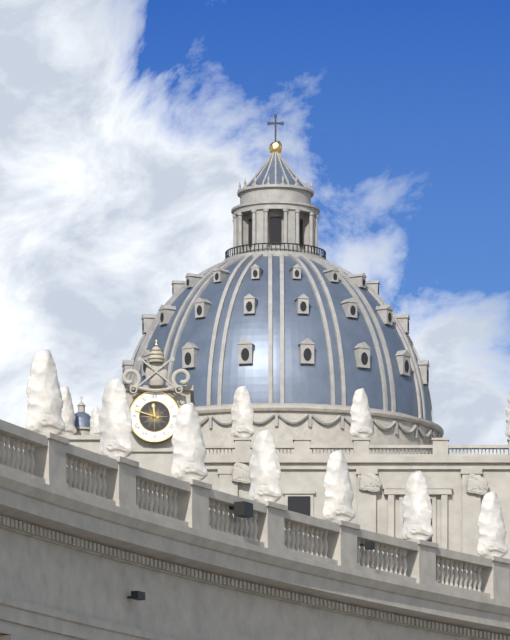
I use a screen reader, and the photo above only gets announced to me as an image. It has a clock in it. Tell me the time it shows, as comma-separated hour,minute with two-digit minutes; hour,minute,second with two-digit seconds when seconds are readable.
11,48
